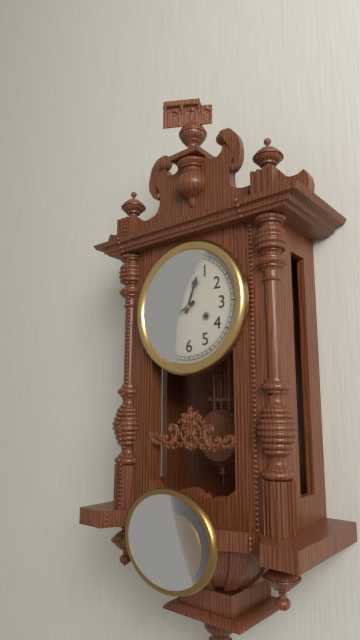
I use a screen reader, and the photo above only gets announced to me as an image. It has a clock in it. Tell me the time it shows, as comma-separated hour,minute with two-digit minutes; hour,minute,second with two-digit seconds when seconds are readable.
12,41
